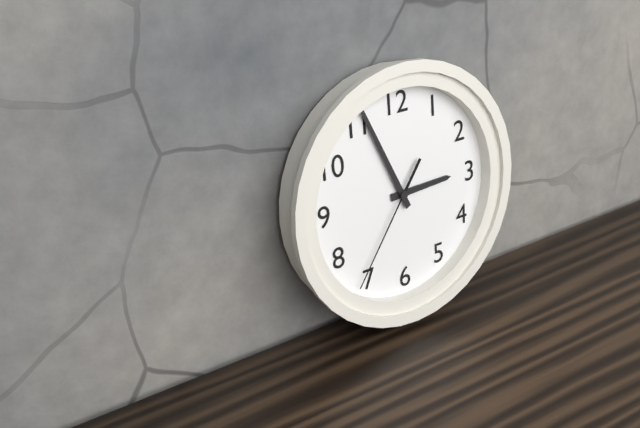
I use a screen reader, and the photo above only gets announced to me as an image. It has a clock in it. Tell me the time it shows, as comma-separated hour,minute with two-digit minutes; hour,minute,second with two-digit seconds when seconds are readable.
2,56,36
